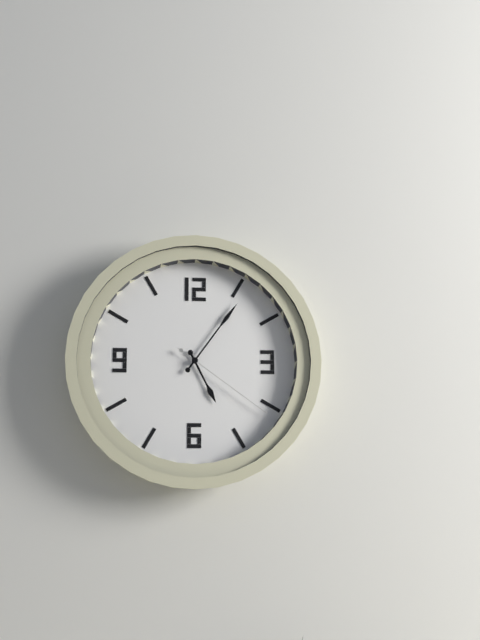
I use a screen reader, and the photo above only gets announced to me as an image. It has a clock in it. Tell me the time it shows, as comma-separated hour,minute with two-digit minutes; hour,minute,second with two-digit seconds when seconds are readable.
5,06,21
